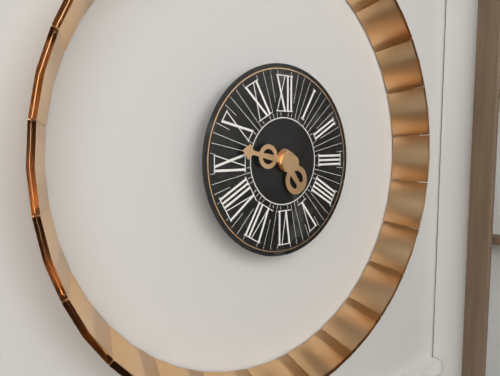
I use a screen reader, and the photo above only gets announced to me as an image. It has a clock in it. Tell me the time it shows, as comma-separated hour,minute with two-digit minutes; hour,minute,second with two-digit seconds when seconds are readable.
4,47
